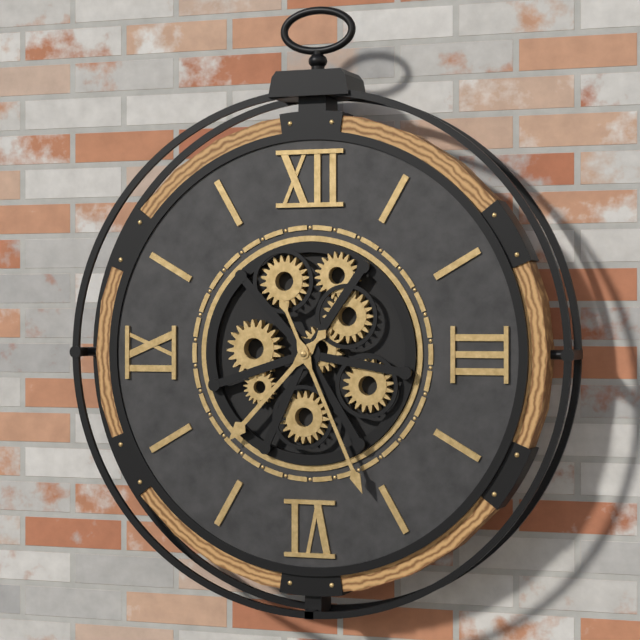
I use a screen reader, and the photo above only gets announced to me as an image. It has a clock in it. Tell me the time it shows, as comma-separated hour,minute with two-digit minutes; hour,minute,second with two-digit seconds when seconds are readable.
7,26
